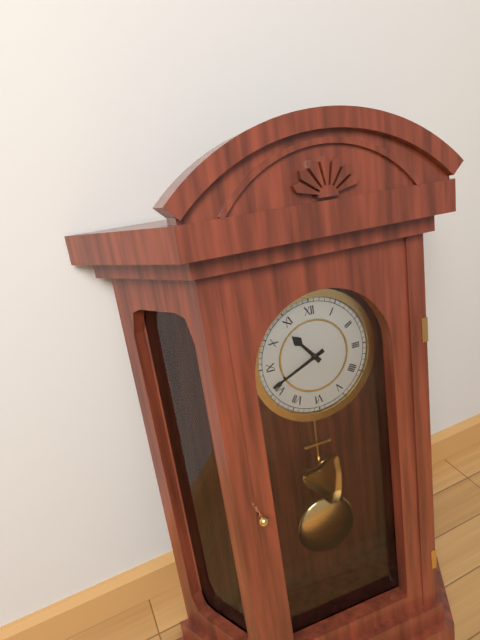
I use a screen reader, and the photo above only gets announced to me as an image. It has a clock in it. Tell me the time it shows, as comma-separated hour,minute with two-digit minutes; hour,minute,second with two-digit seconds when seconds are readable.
10,41
